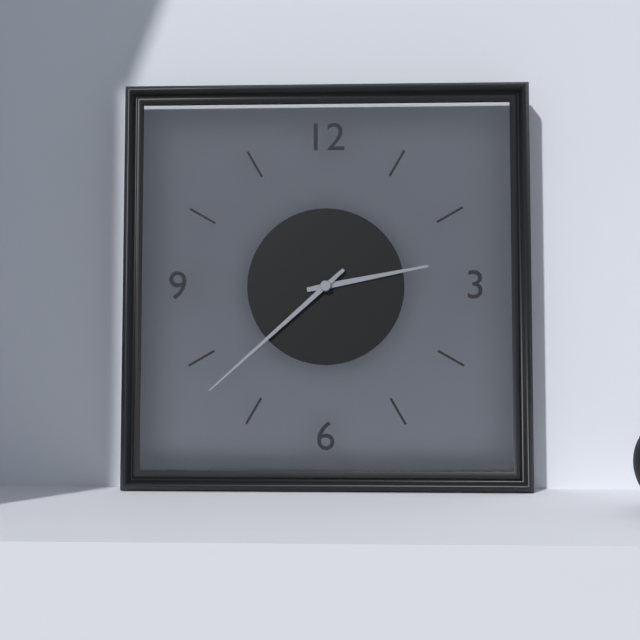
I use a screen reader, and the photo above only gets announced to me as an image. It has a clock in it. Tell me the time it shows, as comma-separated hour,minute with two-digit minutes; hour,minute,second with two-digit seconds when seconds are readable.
2,38
